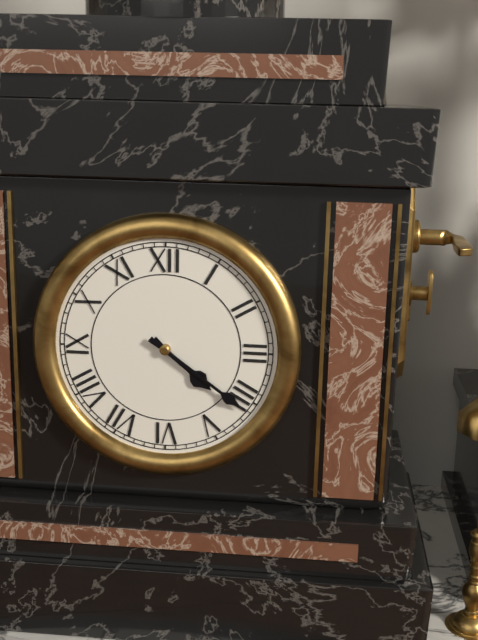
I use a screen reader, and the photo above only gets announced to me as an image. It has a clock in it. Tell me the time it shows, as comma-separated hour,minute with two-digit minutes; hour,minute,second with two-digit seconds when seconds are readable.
4,21
